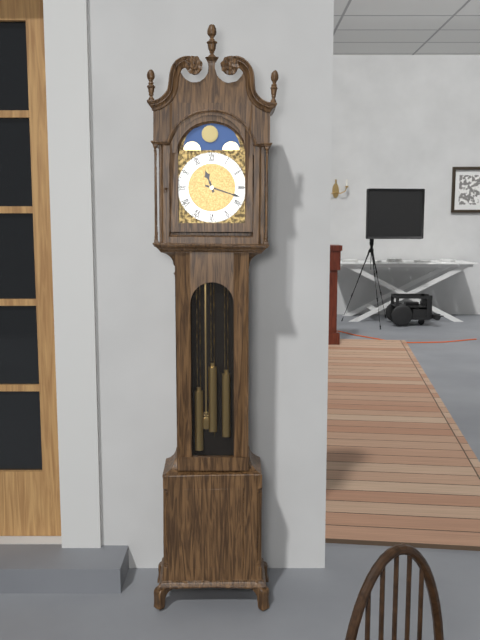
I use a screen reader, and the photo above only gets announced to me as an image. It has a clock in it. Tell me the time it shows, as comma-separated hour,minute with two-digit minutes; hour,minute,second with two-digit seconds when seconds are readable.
11,18
